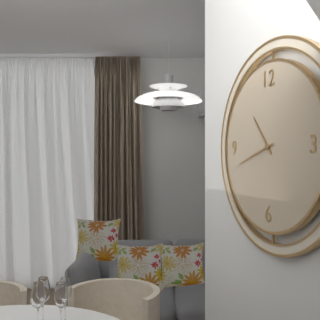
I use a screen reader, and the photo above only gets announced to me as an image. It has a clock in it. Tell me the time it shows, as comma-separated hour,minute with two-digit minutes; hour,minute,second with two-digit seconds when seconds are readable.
10,42
